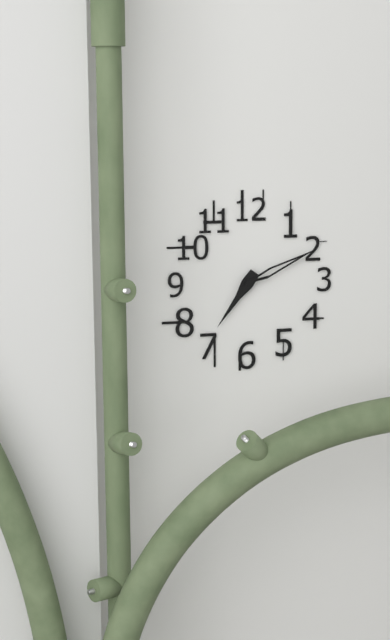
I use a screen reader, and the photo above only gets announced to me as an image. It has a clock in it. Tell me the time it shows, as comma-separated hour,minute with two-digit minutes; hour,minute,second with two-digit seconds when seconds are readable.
7,11
